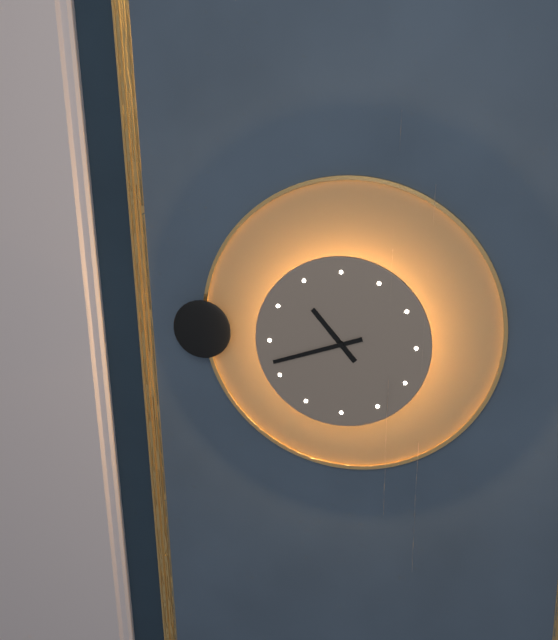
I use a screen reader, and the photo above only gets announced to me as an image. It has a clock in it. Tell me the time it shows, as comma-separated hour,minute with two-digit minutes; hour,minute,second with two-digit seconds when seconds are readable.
10,42
